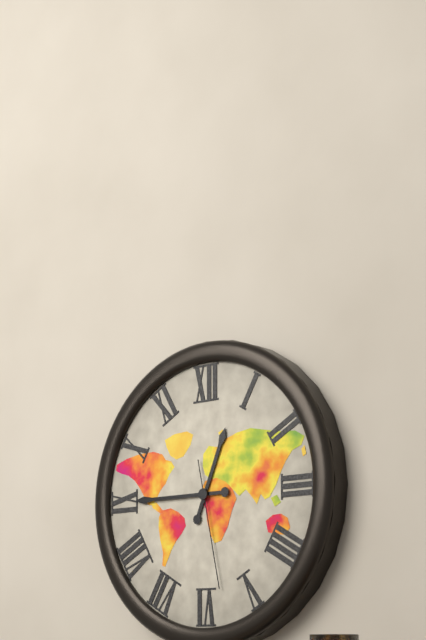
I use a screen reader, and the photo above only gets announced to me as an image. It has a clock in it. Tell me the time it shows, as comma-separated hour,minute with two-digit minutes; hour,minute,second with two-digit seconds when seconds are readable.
12,45,28
